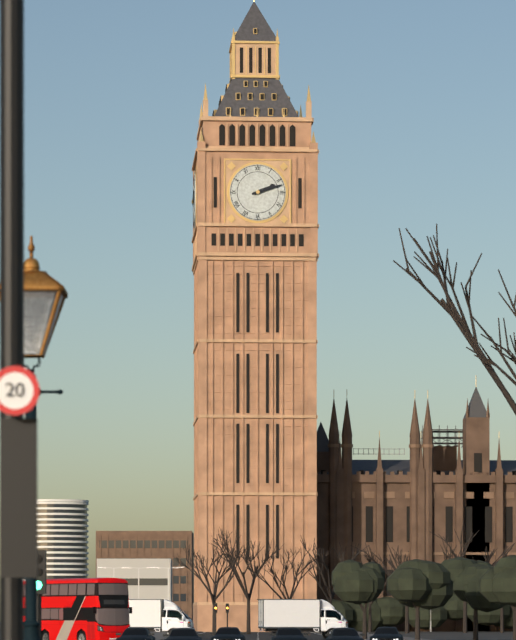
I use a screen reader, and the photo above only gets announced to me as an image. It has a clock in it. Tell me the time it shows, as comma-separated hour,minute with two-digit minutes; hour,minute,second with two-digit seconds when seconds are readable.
2,12
